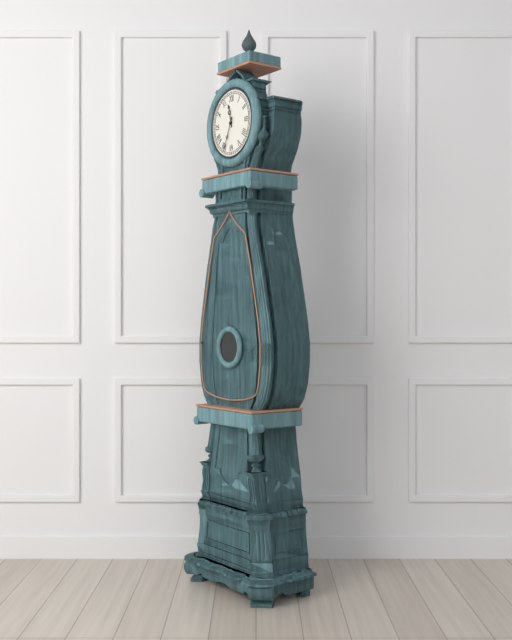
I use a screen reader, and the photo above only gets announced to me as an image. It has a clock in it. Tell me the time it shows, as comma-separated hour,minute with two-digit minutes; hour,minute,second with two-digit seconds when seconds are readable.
11,34
